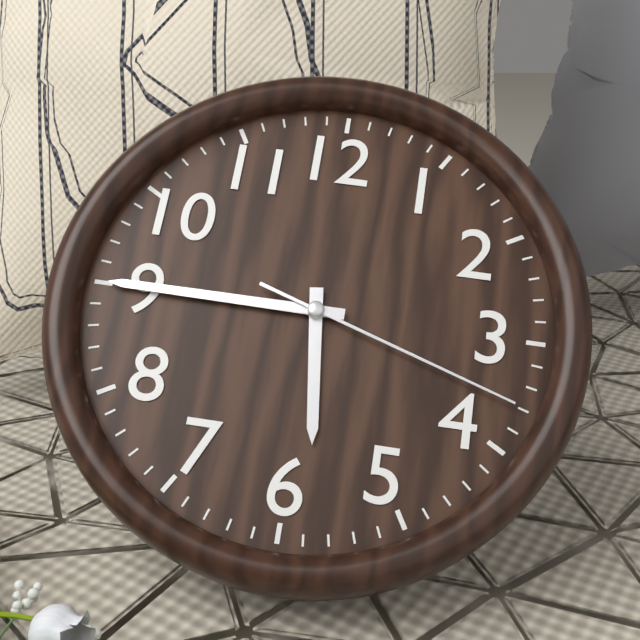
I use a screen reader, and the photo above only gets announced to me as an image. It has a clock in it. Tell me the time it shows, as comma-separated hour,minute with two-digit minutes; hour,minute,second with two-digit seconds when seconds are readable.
5,45,18
